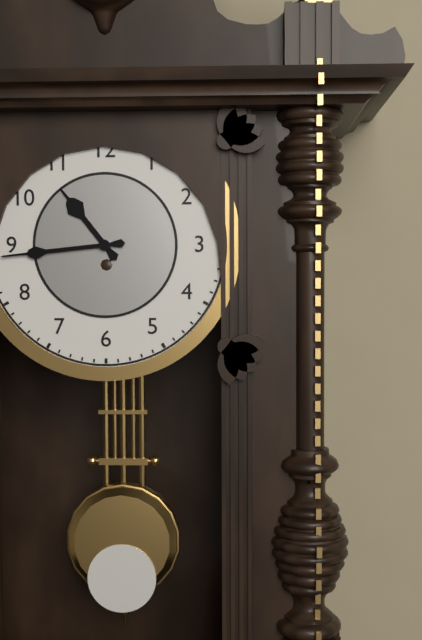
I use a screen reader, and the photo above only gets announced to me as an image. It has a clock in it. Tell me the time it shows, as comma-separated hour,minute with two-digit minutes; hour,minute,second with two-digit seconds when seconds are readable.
10,44
